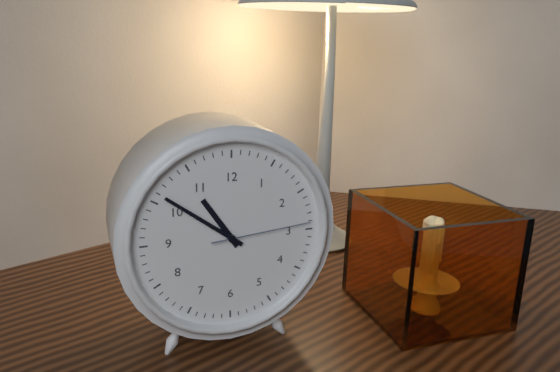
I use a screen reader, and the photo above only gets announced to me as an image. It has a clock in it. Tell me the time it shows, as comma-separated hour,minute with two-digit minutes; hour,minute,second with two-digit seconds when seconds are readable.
10,51,14
